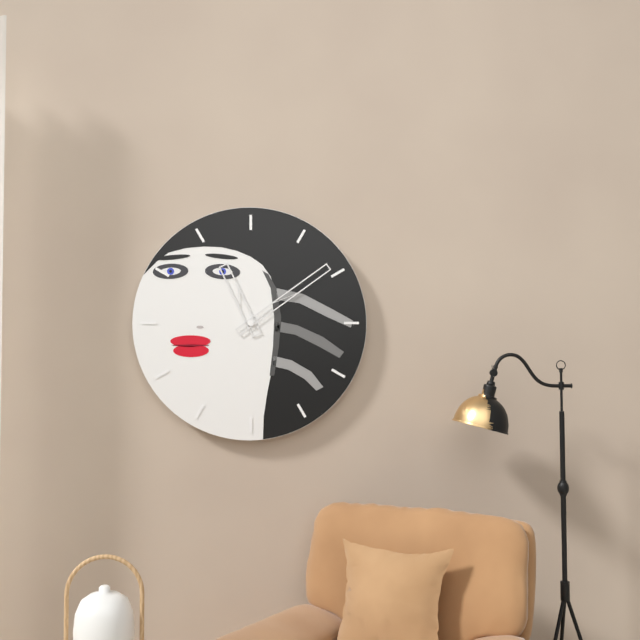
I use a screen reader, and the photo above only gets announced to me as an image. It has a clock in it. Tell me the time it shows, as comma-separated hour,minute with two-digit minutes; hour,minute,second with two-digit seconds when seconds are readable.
11,09
